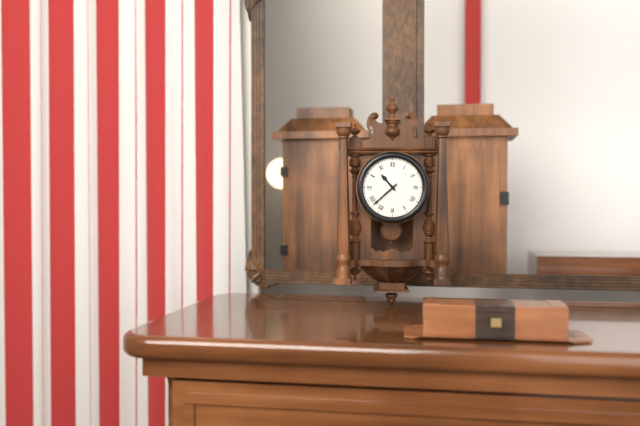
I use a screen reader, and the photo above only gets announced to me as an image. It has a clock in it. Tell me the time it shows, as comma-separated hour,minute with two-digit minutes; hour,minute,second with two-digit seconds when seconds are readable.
10,38
